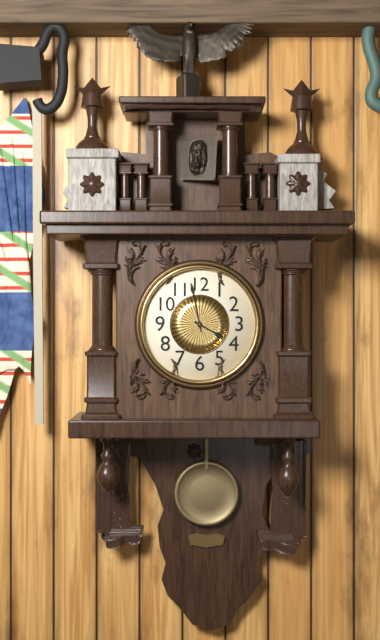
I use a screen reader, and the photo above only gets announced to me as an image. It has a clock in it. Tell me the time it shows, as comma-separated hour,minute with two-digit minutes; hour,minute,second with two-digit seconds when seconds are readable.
3,58
